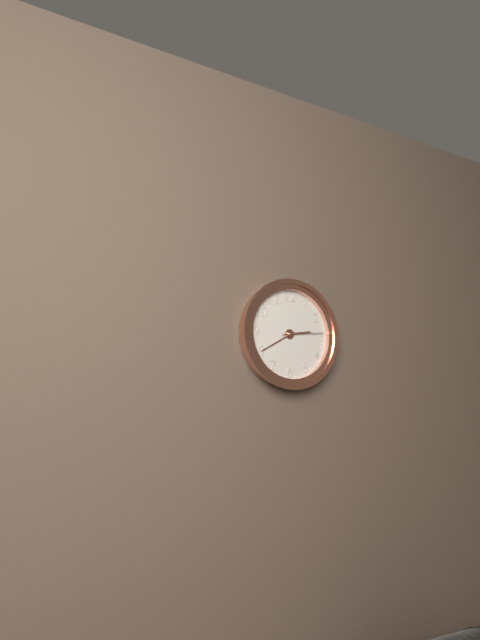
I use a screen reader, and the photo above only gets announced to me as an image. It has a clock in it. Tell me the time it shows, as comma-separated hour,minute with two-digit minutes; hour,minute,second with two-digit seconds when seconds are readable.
2,40
